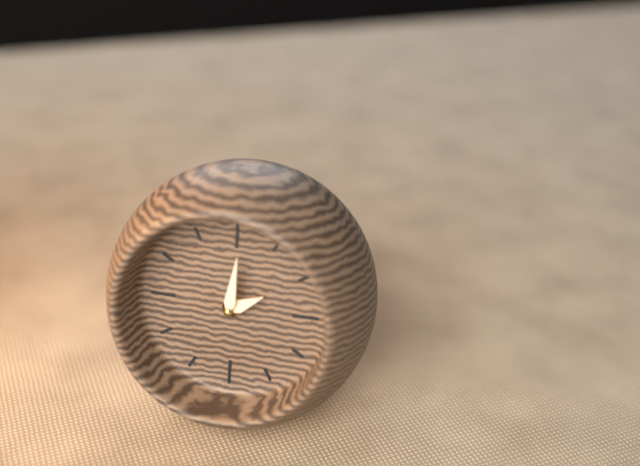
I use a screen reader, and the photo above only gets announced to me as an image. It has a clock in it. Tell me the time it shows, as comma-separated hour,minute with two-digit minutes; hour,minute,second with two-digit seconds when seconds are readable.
2,01
